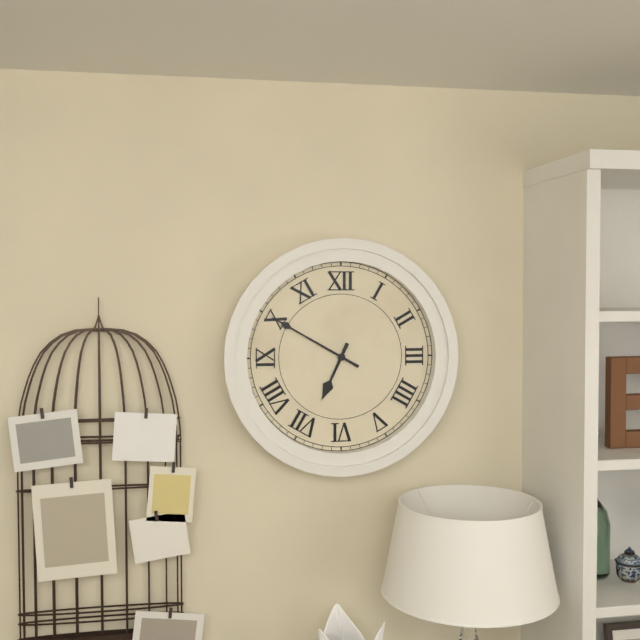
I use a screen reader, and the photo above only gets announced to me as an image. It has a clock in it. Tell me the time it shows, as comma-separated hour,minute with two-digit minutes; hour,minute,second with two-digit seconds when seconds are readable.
6,50
